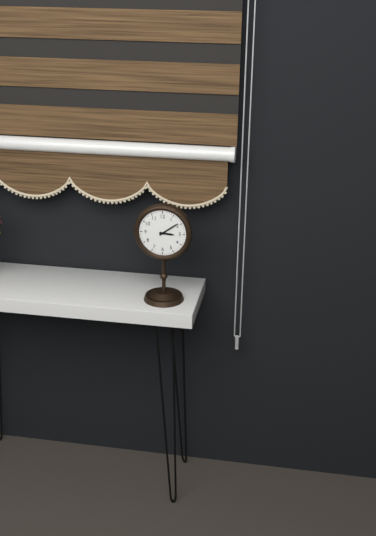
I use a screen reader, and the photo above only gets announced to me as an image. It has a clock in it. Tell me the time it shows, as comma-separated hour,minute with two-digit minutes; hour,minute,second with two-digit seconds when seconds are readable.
3,09
